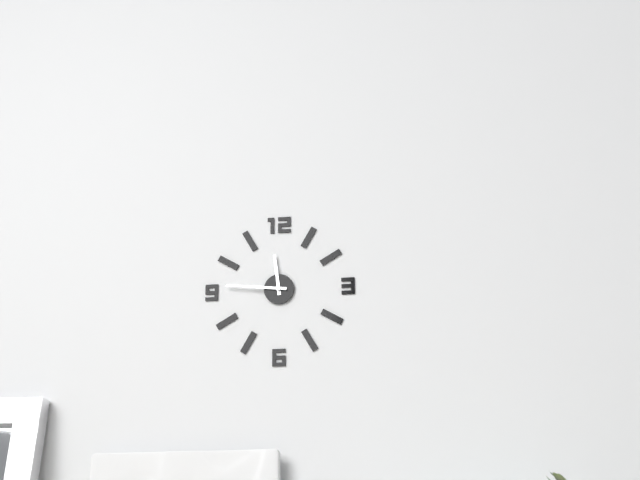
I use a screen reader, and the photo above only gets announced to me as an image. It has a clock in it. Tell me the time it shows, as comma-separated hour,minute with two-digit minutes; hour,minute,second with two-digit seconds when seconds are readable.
11,46
